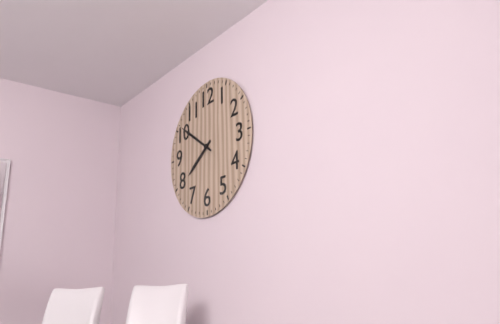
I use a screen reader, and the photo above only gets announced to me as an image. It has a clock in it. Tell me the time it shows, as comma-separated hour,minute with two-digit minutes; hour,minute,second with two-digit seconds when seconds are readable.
7,51
